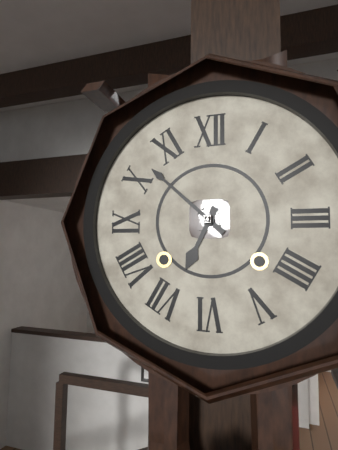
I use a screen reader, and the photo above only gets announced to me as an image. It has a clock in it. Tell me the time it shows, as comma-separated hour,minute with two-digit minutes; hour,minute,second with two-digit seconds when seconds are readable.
6,52
